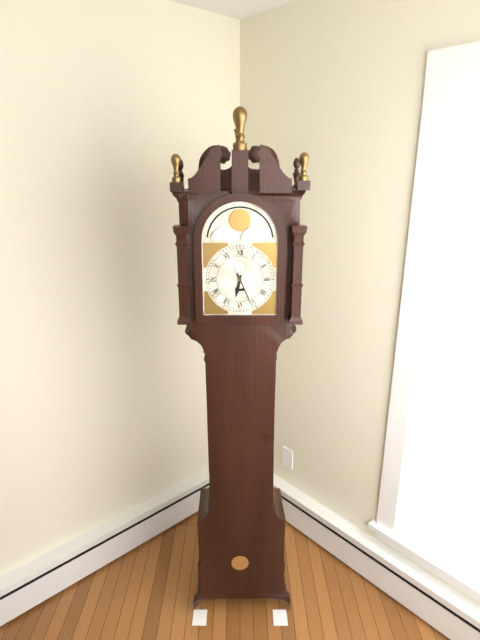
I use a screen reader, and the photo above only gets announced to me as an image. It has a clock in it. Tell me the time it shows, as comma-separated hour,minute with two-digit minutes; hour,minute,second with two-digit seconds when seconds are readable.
6,26
